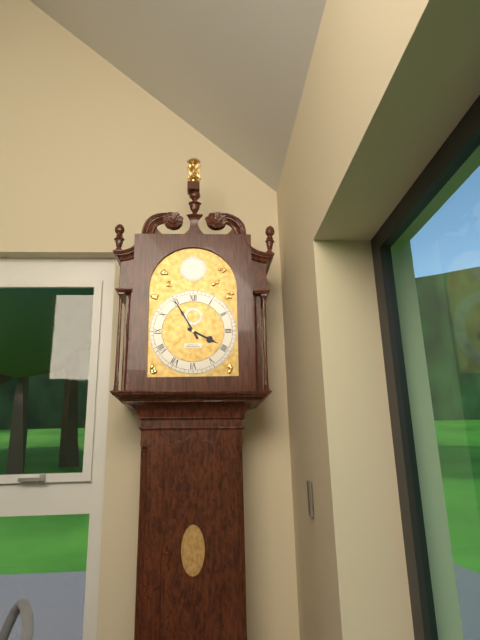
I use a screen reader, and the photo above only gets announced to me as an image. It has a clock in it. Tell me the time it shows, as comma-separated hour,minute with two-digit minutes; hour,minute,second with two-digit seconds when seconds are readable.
3,55
